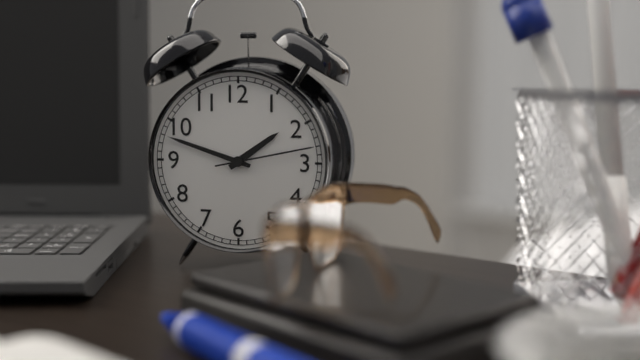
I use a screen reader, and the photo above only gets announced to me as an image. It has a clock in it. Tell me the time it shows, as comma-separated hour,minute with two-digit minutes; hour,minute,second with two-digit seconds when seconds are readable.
1,48,13
